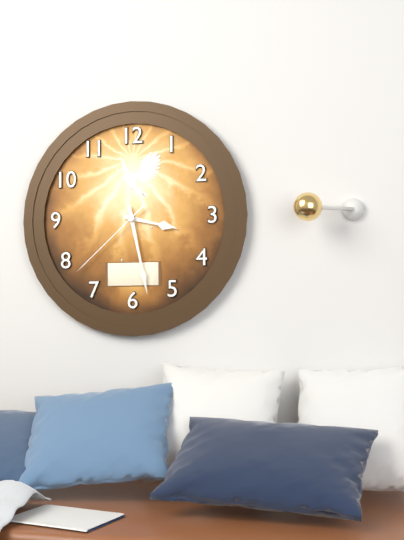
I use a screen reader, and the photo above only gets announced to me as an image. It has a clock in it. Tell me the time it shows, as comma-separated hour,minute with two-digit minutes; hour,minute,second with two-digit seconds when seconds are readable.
3,28,38
